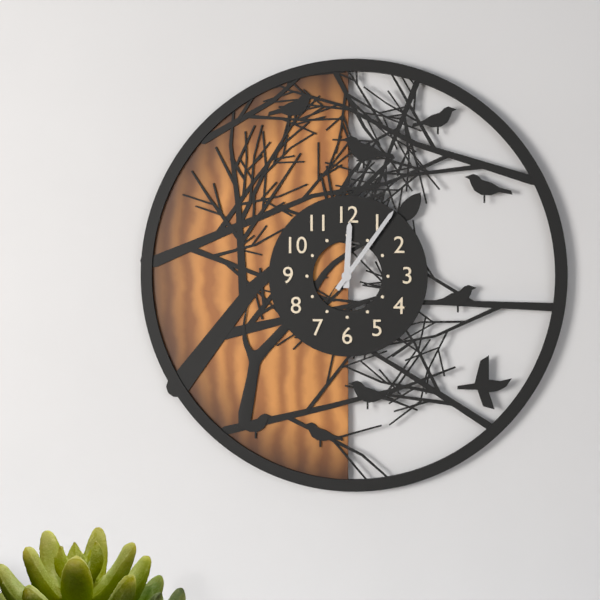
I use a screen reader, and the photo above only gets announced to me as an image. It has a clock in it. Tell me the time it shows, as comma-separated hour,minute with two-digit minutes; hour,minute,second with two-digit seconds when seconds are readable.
12,06
